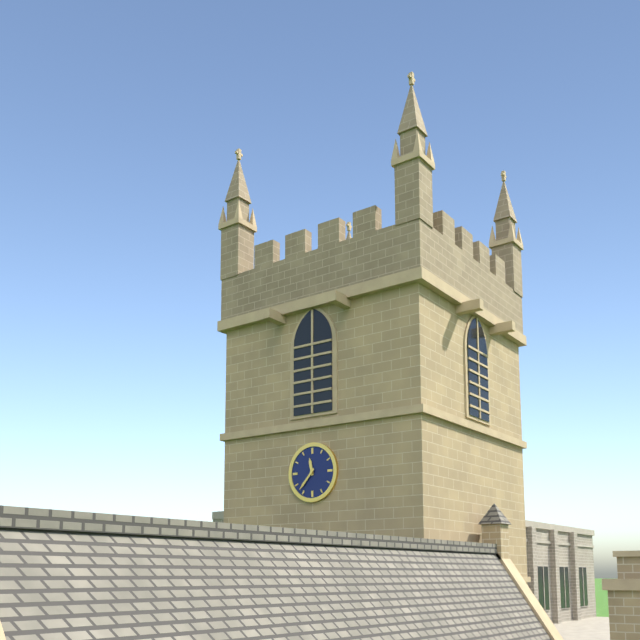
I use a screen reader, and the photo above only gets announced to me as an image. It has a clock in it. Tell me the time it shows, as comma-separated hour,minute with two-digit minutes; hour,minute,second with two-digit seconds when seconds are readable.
11,37
